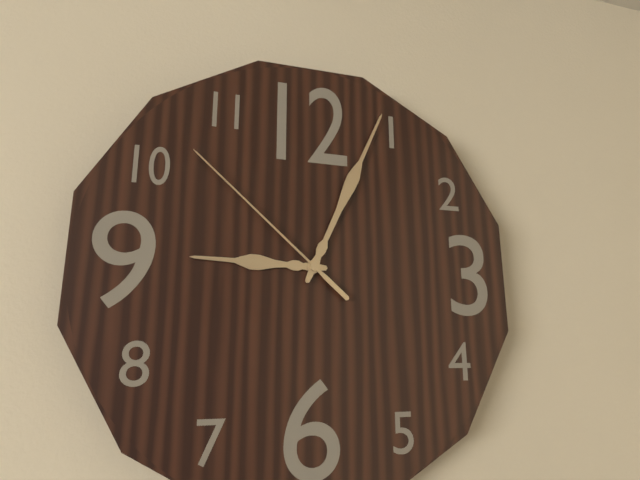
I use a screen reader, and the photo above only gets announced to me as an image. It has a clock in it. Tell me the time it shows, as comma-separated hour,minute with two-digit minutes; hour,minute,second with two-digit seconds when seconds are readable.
9,04,52
